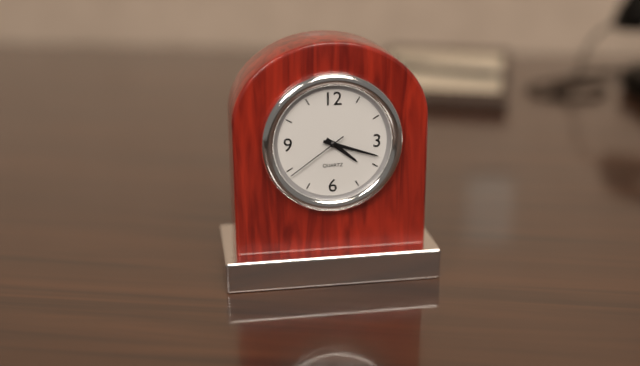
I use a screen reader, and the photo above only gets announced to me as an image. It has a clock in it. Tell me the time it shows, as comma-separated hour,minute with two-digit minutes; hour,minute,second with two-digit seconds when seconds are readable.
4,18,39
